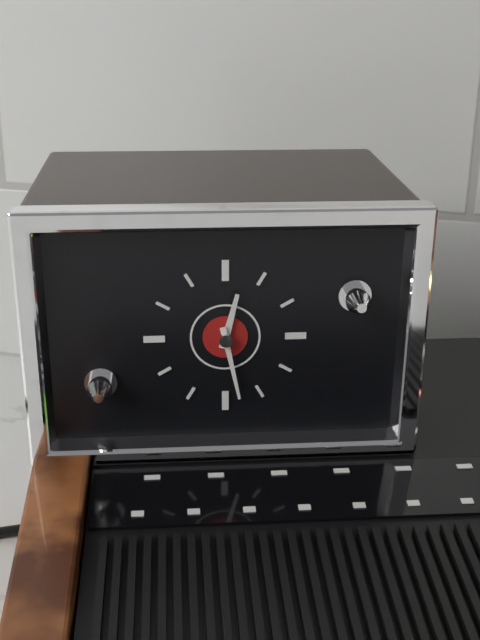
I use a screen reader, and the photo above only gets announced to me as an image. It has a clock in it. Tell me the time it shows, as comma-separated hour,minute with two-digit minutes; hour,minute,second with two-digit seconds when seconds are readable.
12,28
